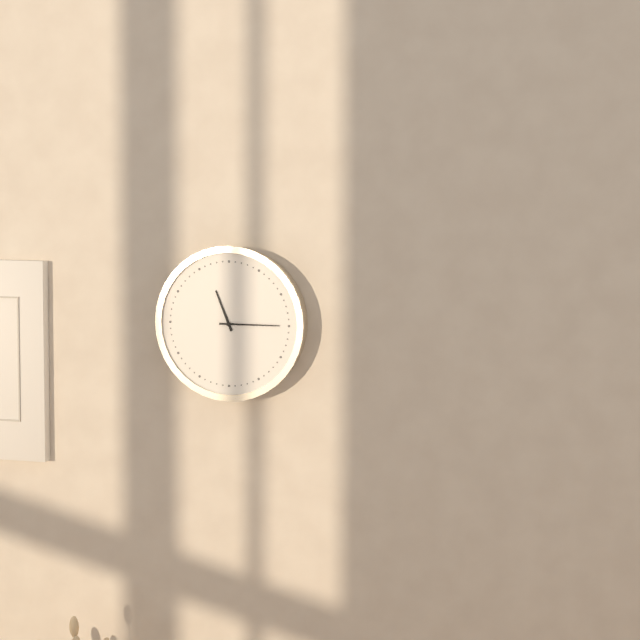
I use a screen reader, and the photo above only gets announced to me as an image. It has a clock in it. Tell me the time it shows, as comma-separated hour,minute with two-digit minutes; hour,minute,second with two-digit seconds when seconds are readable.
11,15
